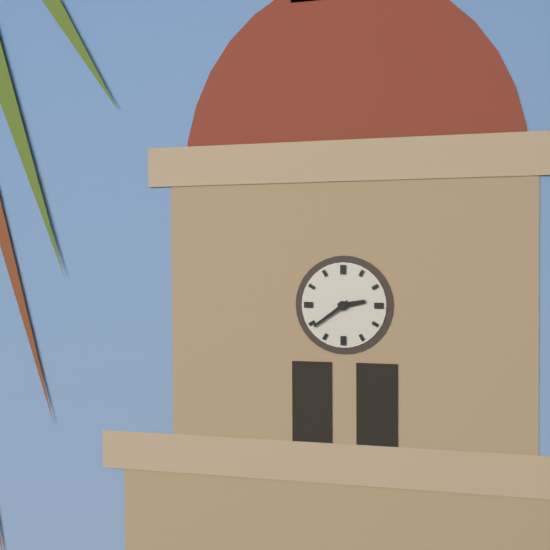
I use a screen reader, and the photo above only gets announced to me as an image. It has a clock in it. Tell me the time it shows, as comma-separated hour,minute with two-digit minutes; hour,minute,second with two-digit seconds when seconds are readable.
2,39
